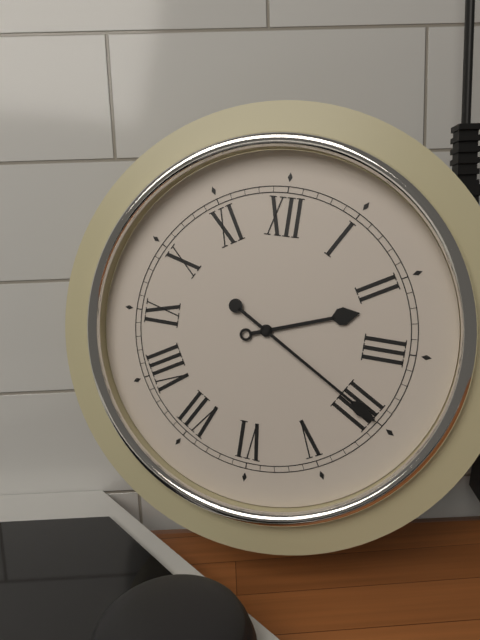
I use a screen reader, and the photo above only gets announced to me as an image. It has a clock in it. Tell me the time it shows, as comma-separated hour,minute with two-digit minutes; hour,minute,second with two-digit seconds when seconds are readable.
2,20
